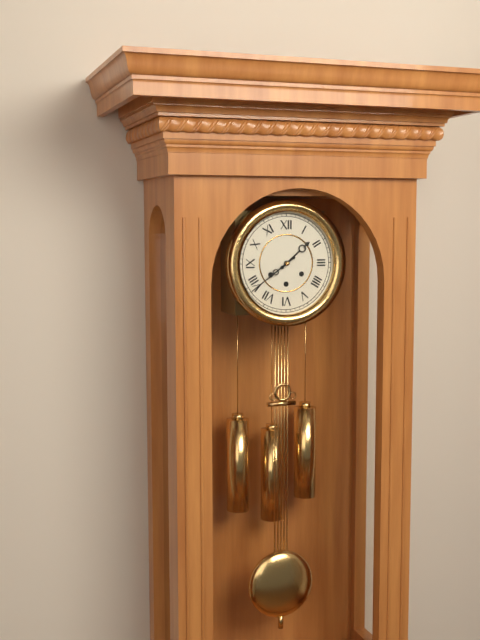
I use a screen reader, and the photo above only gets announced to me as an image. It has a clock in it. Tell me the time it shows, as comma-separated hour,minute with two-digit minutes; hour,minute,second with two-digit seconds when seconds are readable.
1,39
